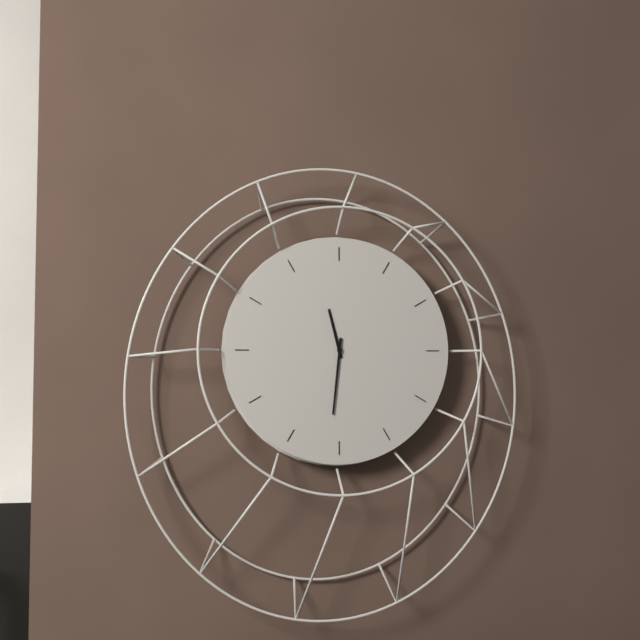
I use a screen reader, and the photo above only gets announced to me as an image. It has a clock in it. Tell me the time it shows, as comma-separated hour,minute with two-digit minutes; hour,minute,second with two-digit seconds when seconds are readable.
11,31
